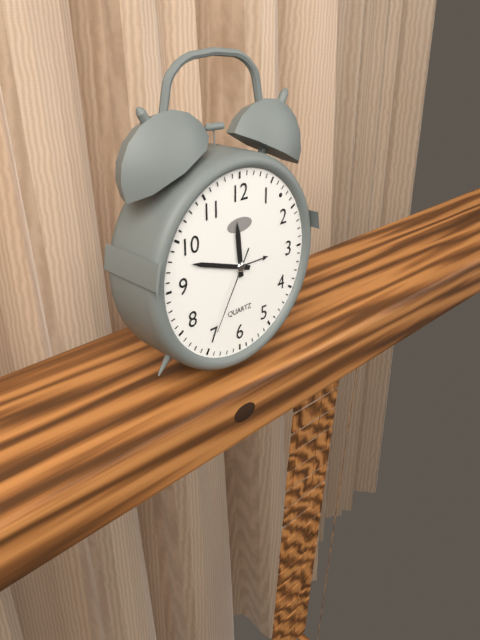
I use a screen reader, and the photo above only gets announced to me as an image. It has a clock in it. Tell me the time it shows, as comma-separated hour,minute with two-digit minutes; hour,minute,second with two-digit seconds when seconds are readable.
11,48,35
